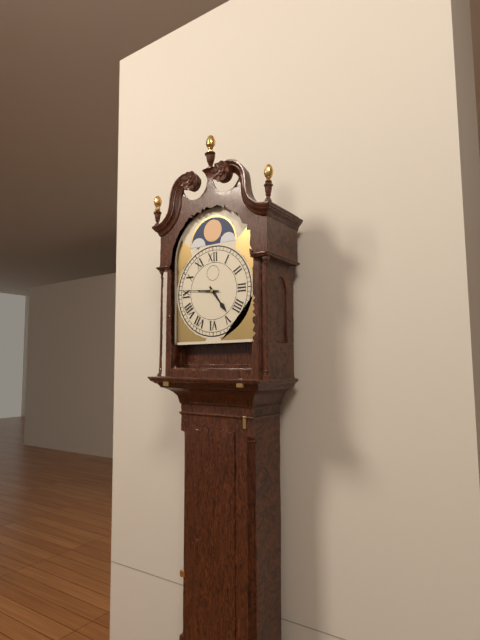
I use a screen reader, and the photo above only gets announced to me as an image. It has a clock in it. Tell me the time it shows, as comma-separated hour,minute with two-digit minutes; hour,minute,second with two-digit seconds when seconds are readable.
4,46
